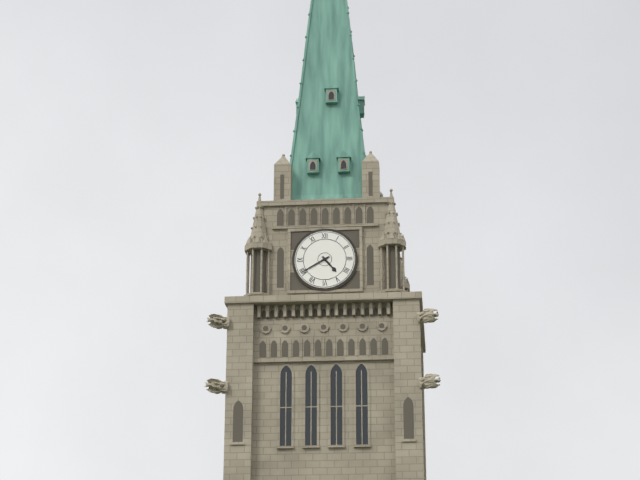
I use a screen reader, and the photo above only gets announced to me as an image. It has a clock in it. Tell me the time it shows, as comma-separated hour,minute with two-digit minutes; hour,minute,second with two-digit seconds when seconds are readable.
4,40
